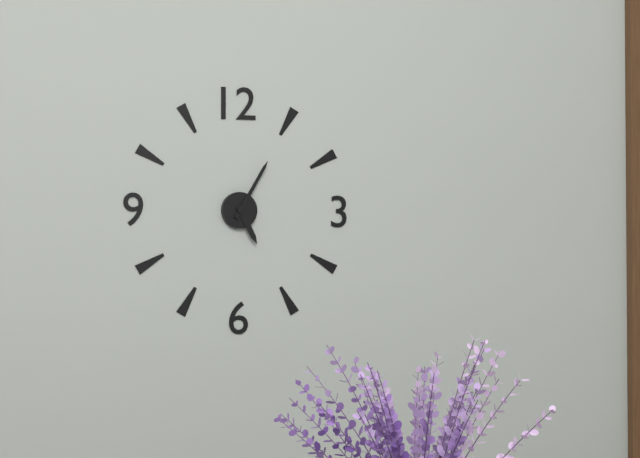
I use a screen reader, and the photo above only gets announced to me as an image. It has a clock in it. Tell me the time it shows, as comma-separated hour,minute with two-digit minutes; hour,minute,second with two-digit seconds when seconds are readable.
5,05
